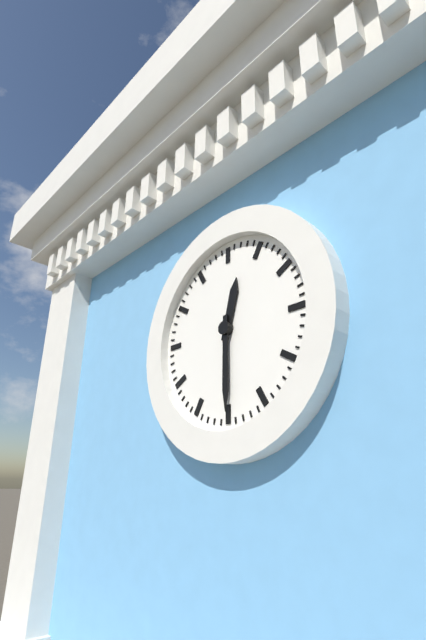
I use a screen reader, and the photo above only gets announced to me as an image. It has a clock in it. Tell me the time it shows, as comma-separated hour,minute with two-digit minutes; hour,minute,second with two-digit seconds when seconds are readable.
12,30
